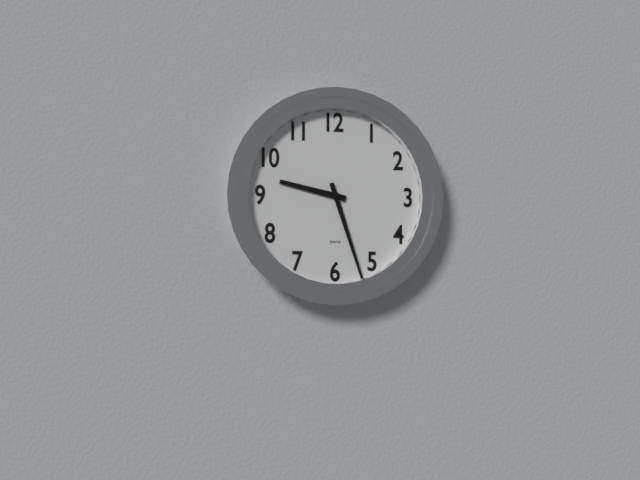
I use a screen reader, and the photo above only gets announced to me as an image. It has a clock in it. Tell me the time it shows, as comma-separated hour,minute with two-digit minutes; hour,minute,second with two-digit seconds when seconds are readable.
9,27
